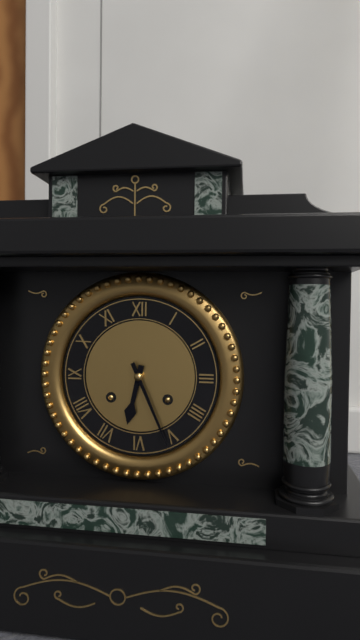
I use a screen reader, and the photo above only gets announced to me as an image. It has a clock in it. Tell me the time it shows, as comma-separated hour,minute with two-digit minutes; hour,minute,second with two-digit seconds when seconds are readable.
6,26
